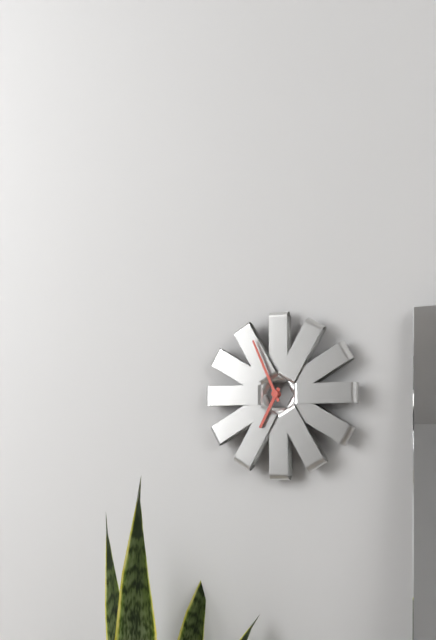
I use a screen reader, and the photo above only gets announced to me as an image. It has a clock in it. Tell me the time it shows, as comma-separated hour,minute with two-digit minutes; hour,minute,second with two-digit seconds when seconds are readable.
6,56
